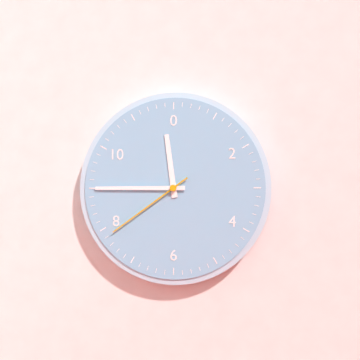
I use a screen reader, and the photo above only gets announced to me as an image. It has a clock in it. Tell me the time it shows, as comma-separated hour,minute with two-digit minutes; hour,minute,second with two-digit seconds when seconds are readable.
11,45,39
